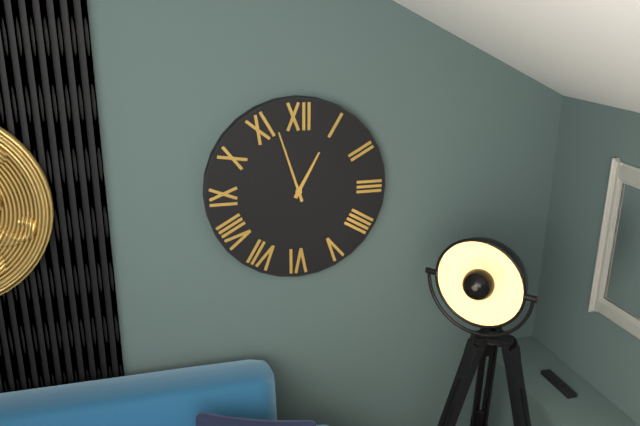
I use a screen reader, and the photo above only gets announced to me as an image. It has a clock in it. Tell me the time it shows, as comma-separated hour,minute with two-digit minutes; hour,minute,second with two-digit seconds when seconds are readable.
12,57
